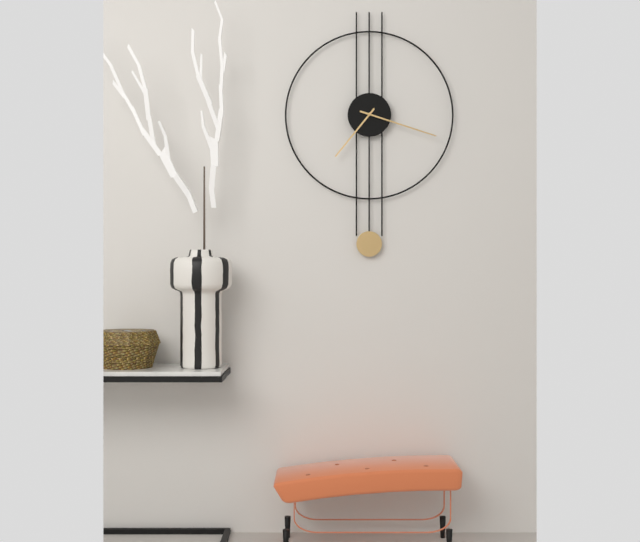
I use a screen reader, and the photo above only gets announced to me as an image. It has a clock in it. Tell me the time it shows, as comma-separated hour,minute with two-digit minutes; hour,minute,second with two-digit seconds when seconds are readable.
7,18
